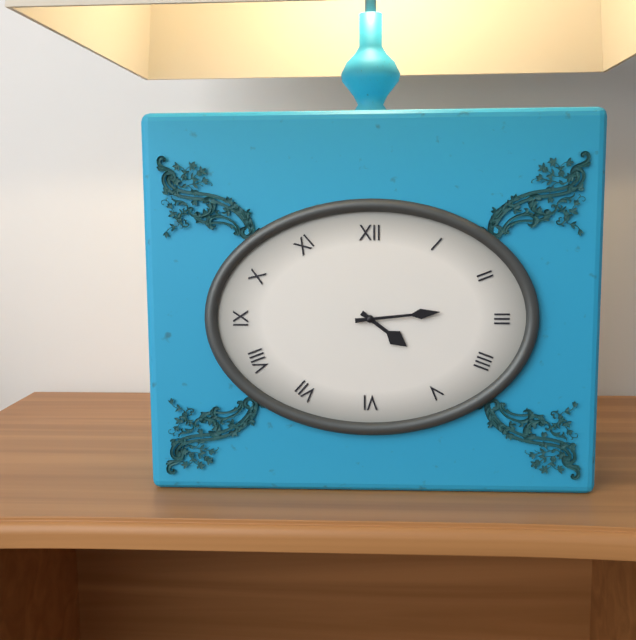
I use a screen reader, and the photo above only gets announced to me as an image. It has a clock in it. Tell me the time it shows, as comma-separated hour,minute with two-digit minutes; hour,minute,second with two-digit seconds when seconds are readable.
4,14
